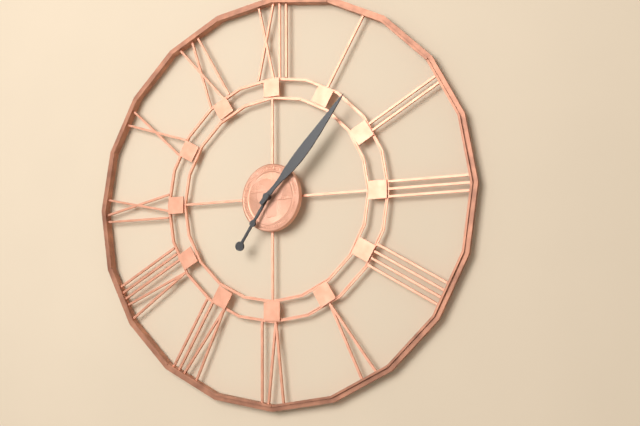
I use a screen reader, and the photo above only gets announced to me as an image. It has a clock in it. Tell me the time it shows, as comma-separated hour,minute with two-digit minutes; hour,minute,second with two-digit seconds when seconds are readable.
7,07
